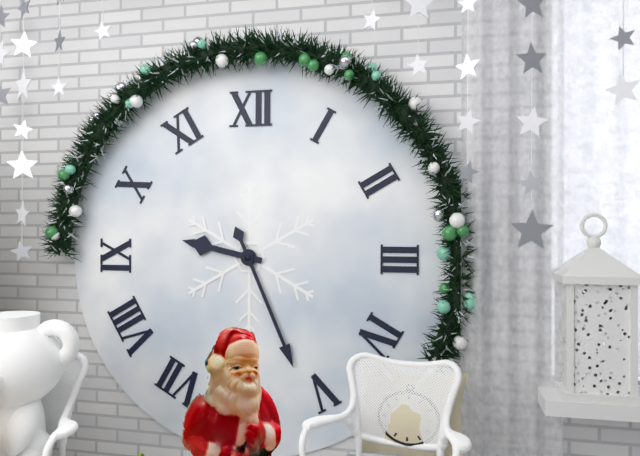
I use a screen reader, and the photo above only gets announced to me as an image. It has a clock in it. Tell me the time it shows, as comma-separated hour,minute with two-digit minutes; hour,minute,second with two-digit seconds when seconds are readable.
9,26
